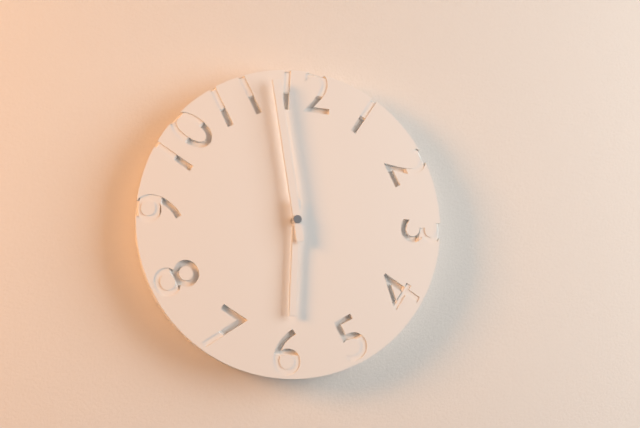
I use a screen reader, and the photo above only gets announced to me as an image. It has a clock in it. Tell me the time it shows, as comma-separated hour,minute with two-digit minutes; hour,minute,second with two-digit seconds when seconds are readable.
5,58
